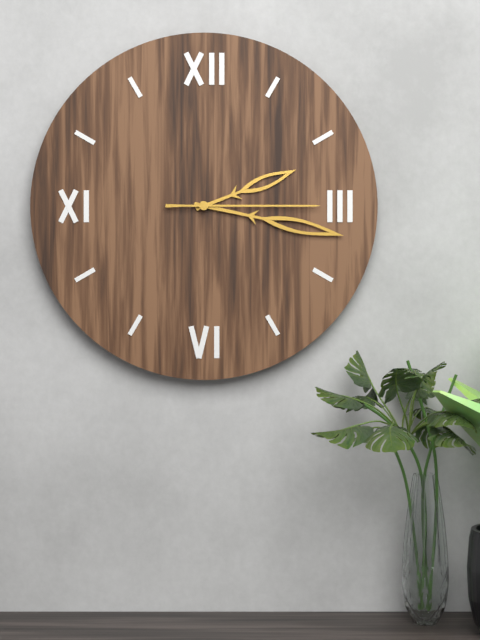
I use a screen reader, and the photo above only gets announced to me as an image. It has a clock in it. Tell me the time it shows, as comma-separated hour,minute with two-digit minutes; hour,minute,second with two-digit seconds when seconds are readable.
2,17,15
